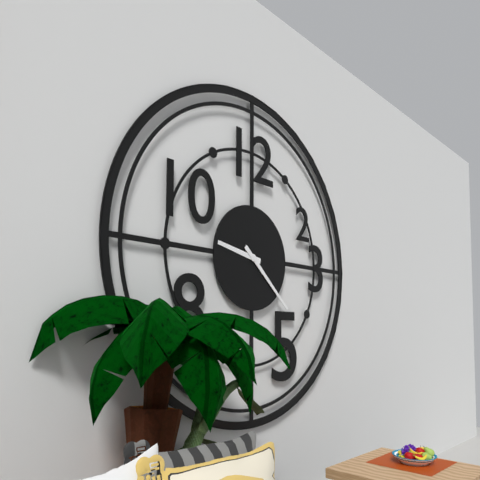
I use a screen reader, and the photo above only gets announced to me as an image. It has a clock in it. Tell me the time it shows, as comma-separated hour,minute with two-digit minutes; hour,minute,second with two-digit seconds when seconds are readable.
9,22
